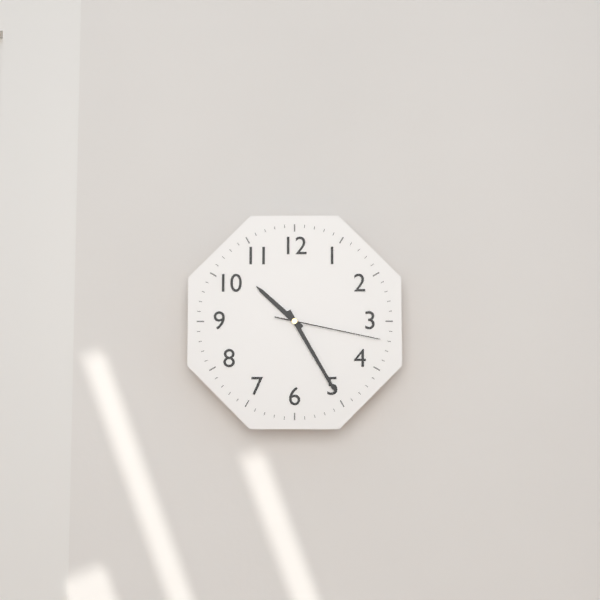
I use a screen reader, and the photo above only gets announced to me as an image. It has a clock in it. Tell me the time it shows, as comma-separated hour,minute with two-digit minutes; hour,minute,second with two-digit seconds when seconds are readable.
10,25,17
